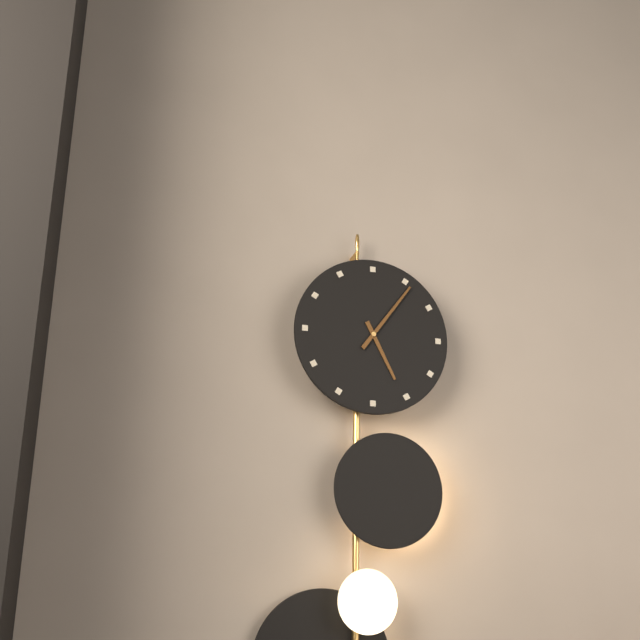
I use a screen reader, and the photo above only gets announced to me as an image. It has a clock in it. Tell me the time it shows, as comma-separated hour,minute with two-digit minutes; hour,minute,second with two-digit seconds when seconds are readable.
5,06
